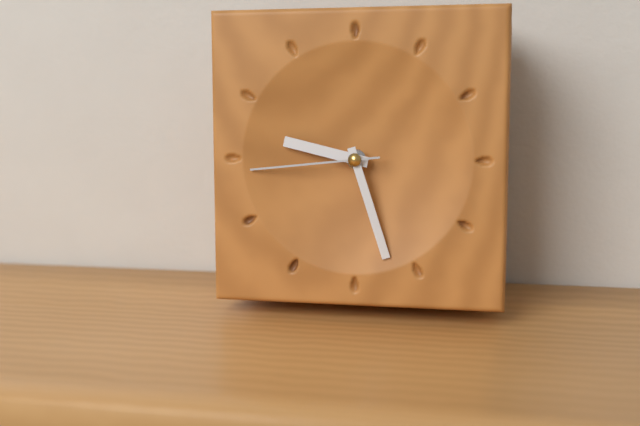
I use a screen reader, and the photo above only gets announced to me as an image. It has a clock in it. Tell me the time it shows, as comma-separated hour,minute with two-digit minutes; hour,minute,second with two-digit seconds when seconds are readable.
9,27,44
